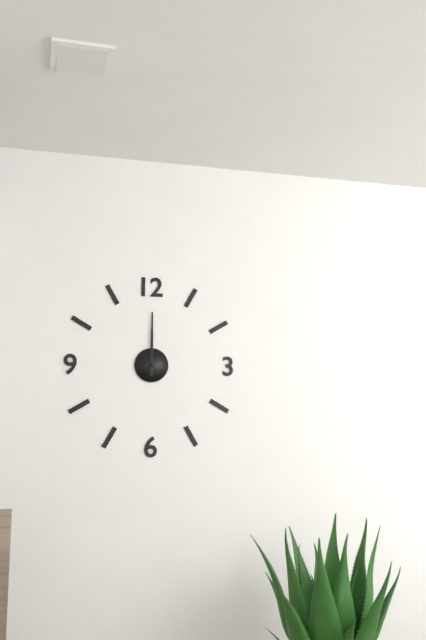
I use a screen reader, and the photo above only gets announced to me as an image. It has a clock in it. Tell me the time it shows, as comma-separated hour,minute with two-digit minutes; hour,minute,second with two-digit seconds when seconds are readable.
12,00
